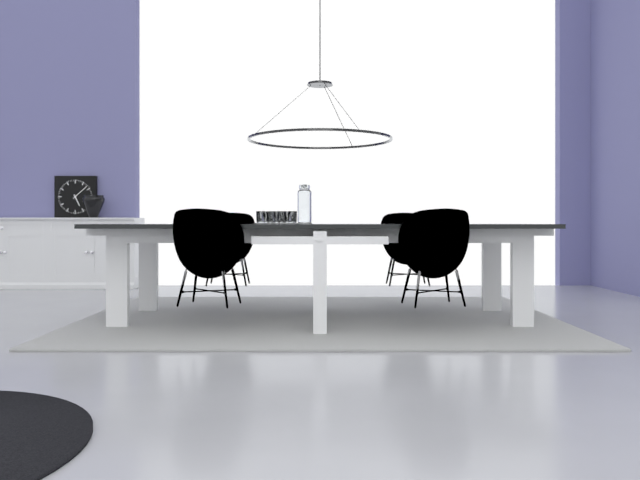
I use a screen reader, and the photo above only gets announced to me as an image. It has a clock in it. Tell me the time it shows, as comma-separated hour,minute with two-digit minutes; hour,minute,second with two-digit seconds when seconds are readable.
5,08
